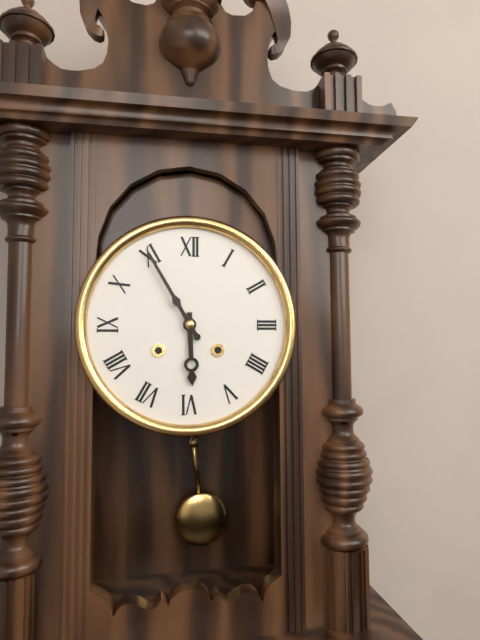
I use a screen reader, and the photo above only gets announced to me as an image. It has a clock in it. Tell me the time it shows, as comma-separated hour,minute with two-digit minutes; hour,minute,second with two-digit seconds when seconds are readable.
5,55
